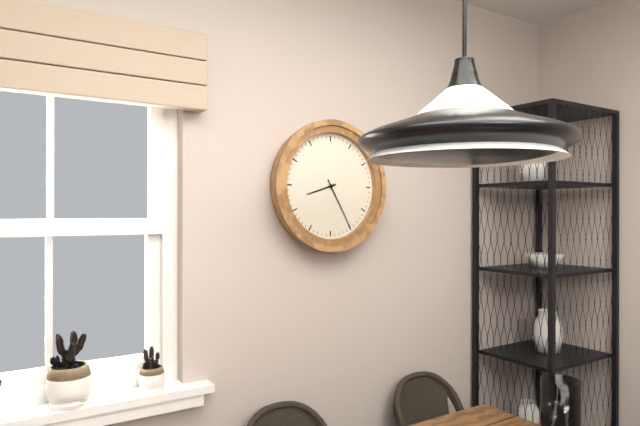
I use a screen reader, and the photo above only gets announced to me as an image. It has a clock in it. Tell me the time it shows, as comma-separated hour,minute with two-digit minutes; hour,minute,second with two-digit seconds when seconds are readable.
8,25
